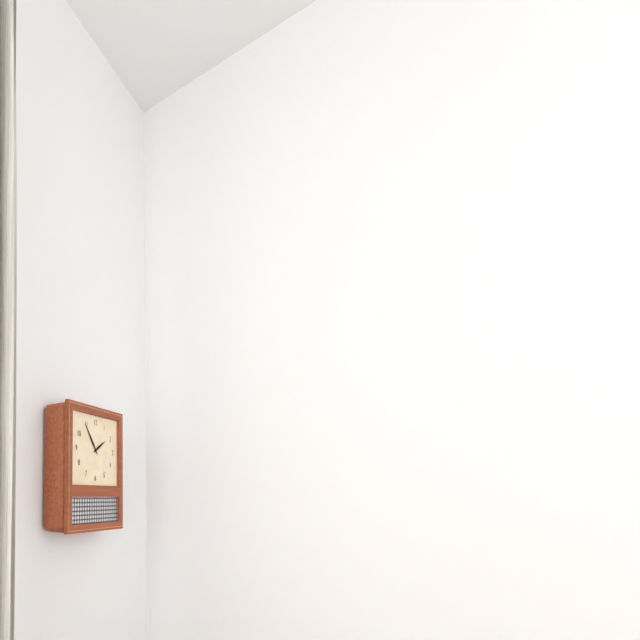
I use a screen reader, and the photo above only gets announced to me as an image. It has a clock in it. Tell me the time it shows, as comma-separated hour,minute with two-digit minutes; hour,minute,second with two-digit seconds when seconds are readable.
1,54
